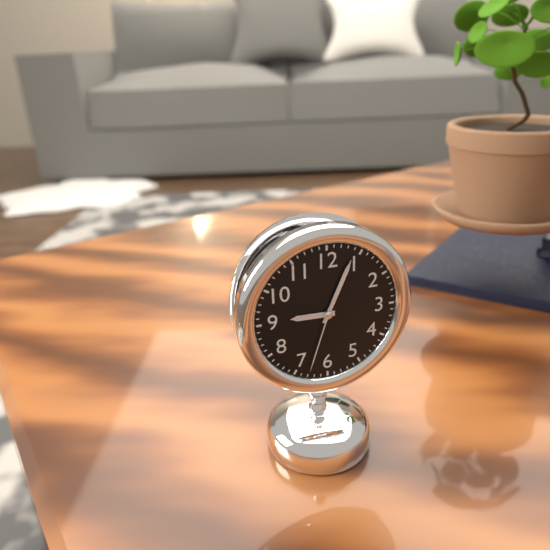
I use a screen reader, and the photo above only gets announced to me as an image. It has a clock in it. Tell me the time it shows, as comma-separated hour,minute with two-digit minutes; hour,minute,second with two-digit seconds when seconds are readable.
9,04,33
